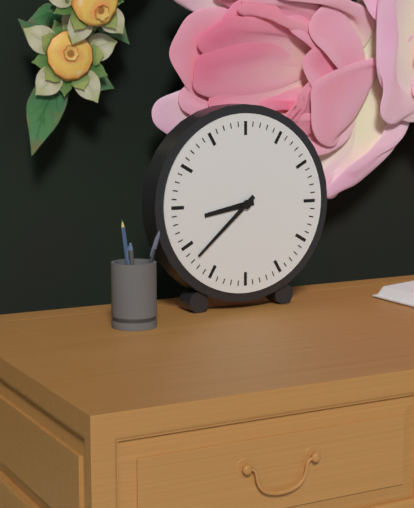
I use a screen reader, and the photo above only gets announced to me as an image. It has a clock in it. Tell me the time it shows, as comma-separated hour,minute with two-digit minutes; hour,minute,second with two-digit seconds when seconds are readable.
8,38
